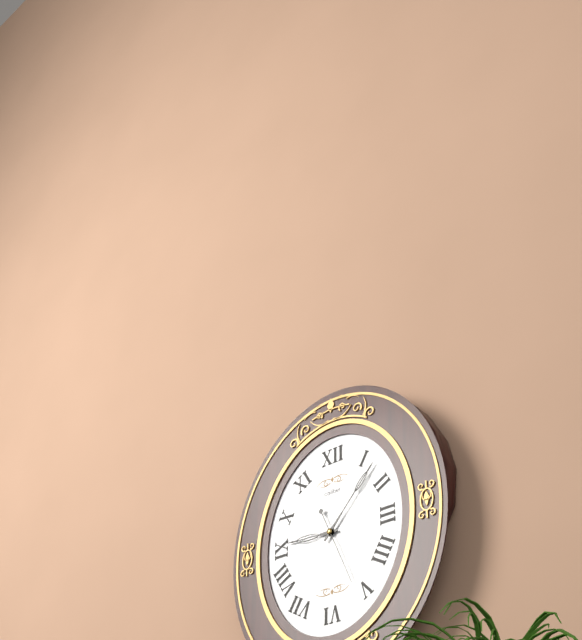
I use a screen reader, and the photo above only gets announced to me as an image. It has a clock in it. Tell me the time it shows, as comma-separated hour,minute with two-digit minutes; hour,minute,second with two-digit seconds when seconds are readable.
9,07,26
